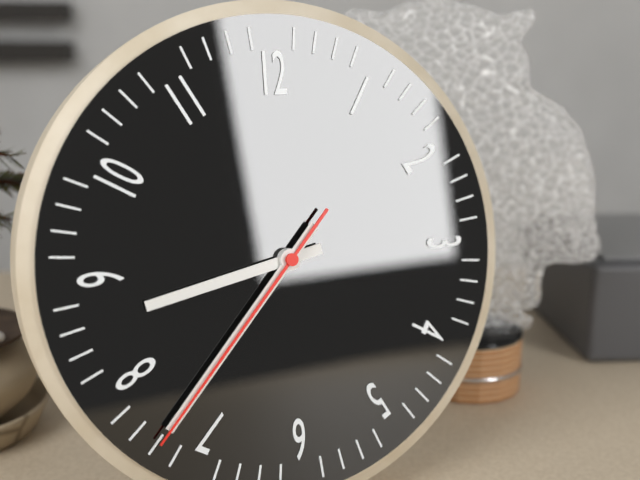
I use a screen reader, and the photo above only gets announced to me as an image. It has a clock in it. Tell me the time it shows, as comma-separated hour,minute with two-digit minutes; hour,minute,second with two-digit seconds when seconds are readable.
8,37,37
